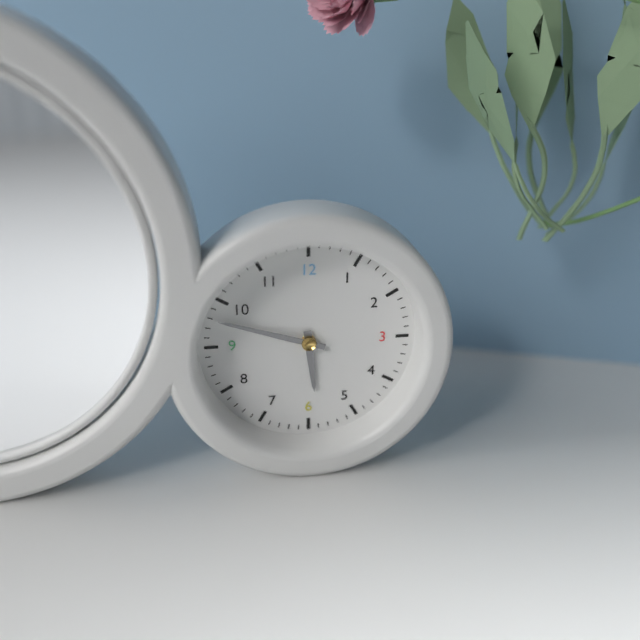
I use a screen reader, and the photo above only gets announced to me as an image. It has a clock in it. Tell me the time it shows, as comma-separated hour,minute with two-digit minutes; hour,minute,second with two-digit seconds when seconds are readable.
5,48
